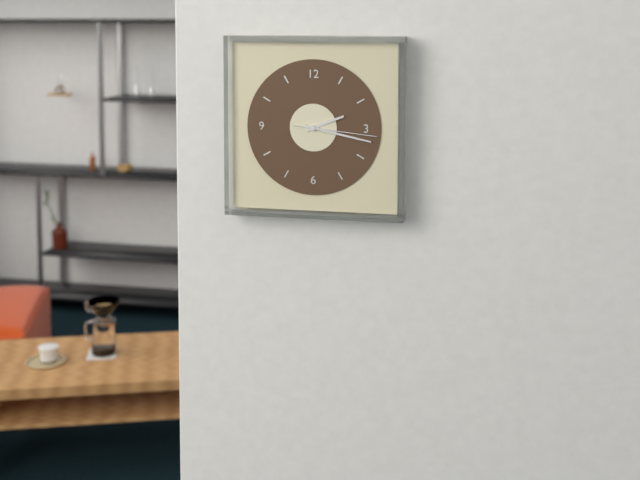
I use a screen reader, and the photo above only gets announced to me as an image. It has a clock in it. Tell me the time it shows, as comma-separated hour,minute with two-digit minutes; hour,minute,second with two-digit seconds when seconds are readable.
2,17,16
